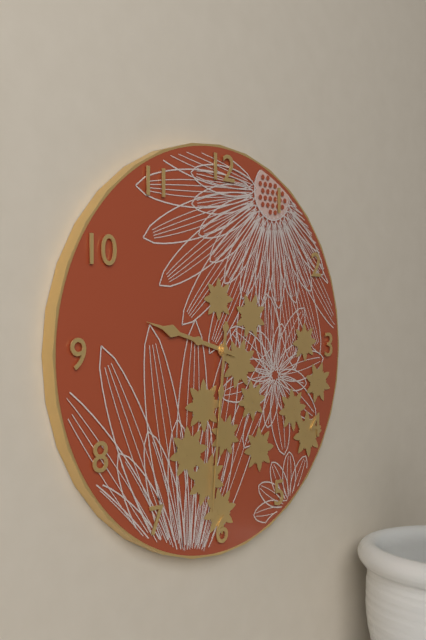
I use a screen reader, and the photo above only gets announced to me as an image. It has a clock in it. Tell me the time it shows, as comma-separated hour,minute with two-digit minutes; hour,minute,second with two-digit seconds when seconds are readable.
9,31
